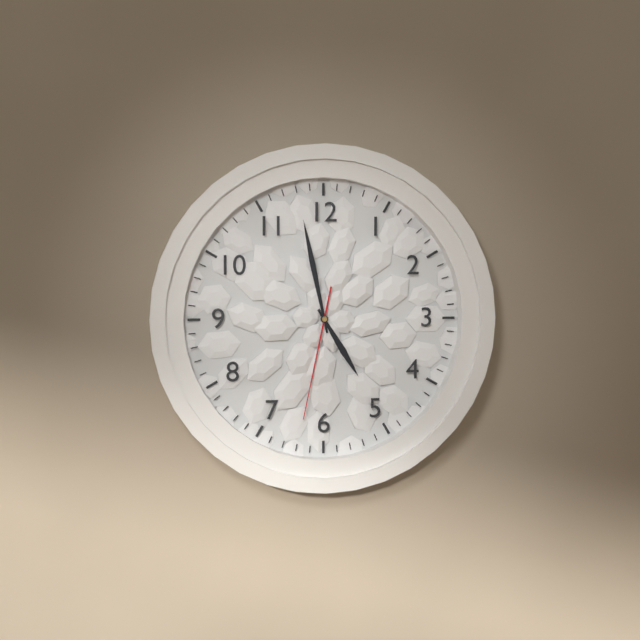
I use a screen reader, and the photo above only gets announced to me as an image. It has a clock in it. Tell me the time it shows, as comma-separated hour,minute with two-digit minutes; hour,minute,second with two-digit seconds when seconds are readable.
4,58,32
